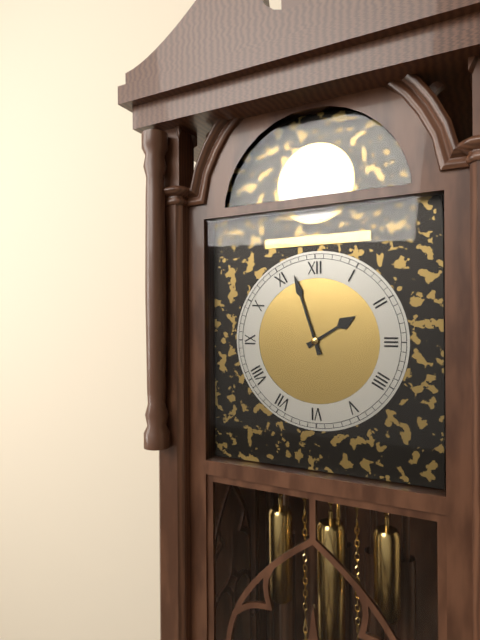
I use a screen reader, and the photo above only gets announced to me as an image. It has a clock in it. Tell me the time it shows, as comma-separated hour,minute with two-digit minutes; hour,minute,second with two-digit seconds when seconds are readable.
1,57
